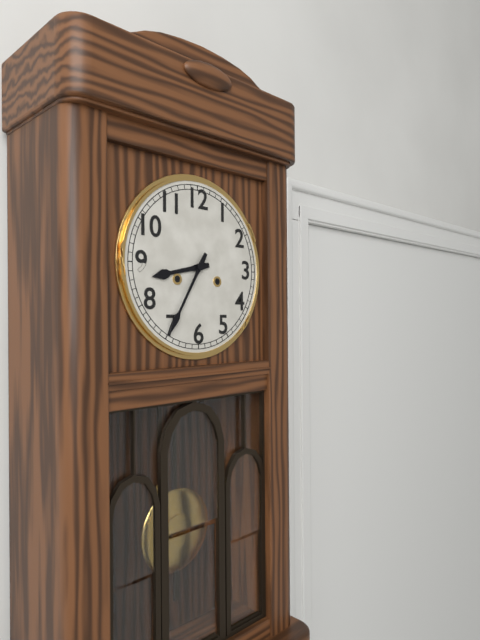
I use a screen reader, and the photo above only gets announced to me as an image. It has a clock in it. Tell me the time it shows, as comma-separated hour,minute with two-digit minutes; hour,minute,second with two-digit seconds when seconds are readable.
8,35
